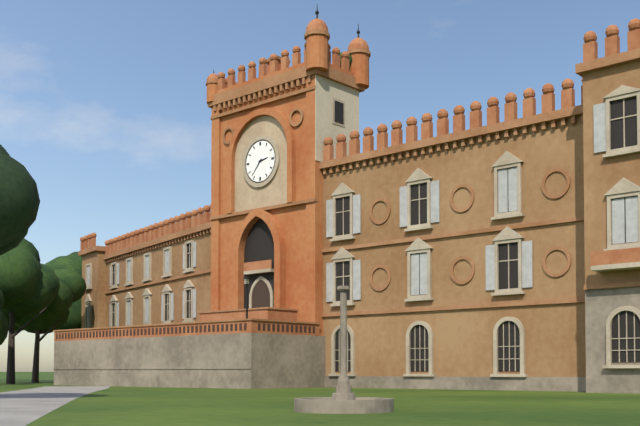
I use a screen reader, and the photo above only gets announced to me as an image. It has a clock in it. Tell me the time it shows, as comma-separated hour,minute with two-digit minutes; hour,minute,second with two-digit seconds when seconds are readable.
2,37
